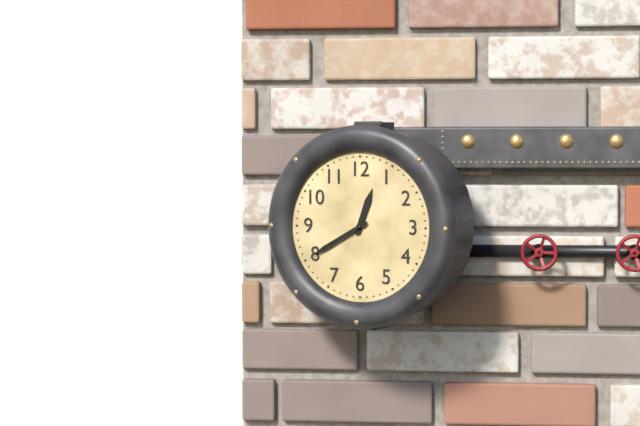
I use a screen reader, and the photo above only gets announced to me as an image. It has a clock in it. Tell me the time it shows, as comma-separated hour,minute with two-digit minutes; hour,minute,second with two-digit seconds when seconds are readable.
12,40
